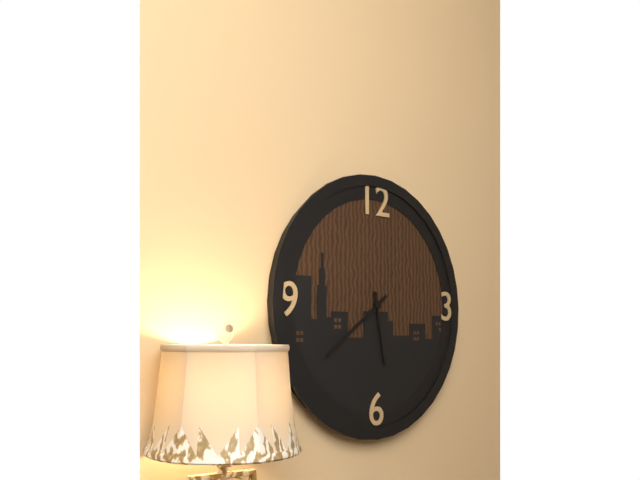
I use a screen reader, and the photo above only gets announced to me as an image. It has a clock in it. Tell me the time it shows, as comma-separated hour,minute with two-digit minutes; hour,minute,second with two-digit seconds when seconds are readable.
5,39
